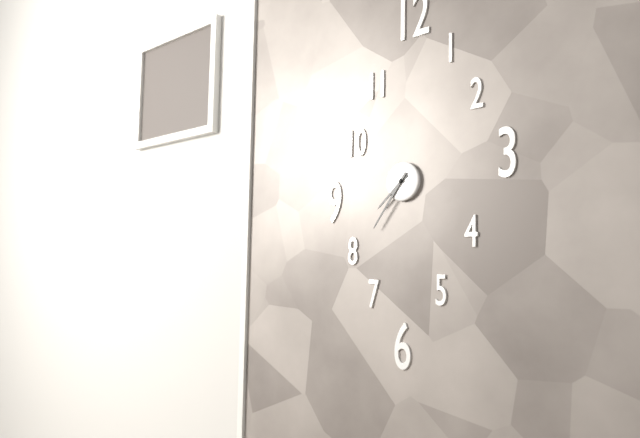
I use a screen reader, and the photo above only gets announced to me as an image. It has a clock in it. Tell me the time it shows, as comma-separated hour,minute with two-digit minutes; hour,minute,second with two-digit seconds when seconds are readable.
7,36
